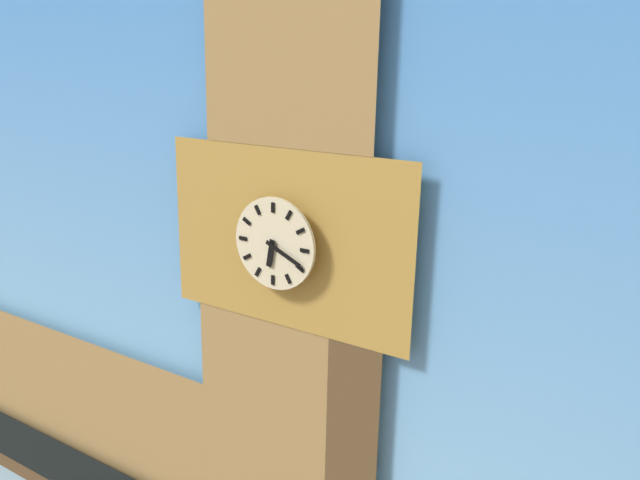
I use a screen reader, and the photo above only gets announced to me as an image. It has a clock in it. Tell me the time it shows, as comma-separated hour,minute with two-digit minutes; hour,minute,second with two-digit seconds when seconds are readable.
6,19
